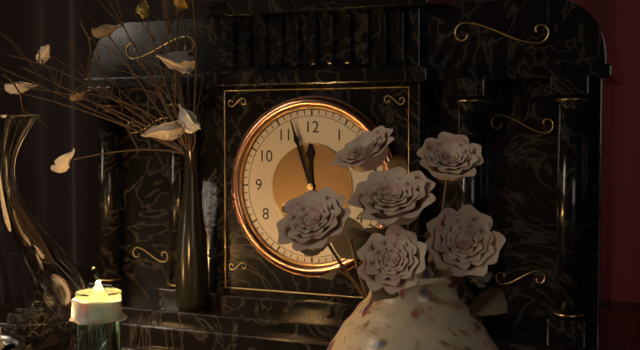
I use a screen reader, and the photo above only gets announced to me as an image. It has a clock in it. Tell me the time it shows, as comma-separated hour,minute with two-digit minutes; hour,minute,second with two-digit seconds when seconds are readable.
11,57
